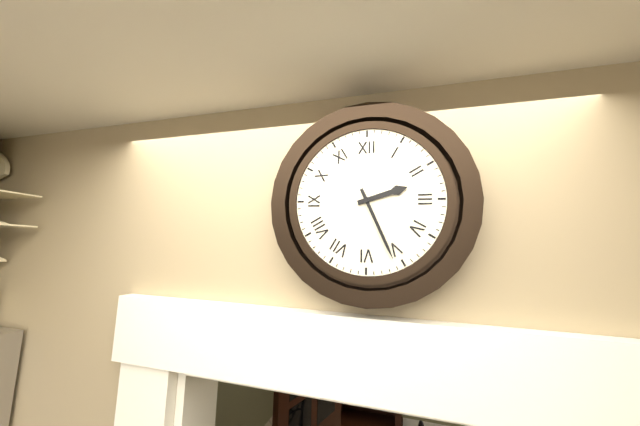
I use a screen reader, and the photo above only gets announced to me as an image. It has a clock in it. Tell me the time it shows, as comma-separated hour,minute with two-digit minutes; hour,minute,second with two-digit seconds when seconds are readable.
2,26
